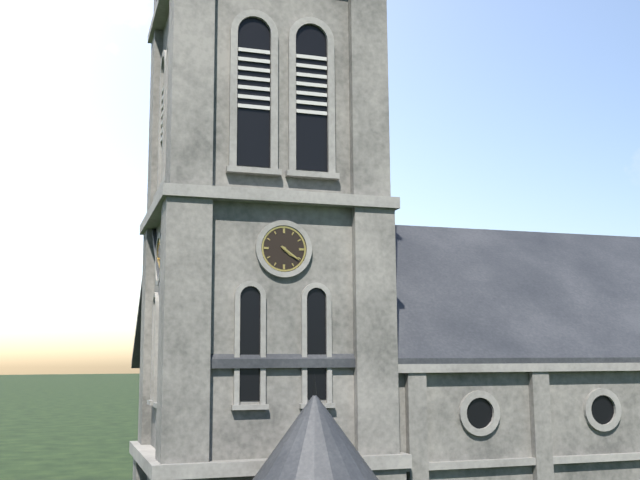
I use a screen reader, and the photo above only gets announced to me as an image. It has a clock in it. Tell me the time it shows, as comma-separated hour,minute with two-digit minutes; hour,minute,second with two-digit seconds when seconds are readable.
4,21
